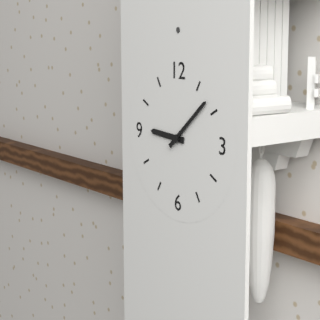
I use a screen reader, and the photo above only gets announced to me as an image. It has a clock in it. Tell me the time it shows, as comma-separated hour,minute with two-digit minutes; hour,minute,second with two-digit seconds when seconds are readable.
9,08
